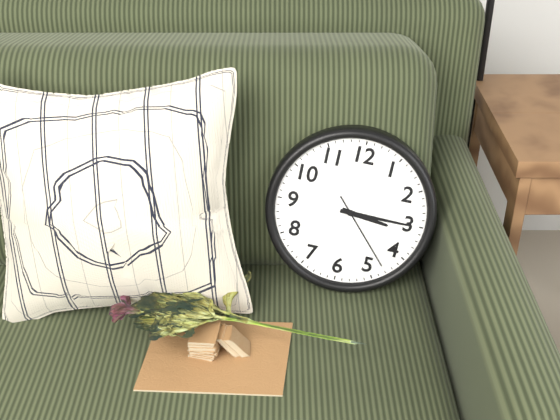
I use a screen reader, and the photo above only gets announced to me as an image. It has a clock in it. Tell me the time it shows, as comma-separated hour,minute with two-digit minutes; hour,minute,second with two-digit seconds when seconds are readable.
3,15,23
